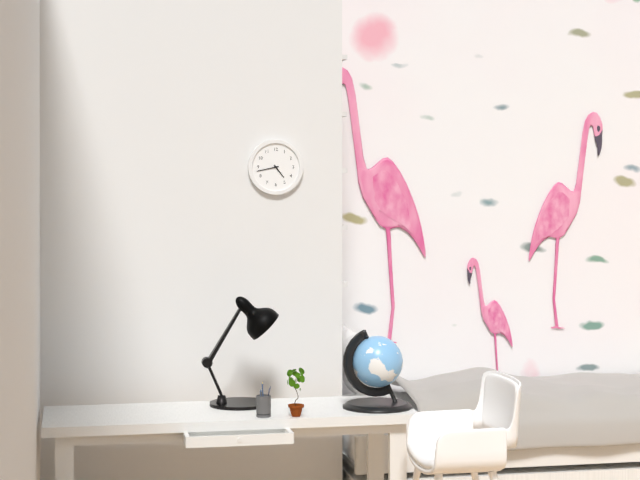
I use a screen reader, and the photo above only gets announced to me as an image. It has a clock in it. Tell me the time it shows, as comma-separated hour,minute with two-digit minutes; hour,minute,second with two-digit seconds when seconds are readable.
4,43
